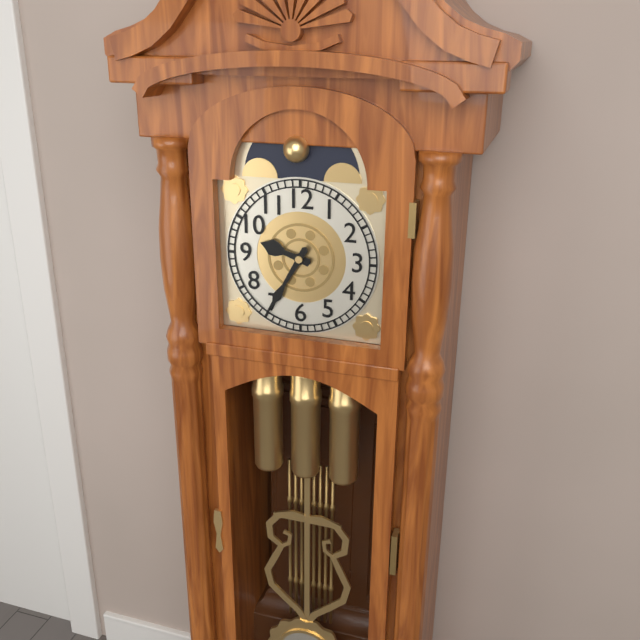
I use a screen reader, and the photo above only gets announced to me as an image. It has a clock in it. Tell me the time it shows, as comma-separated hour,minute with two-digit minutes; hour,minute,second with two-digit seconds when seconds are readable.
9,35
